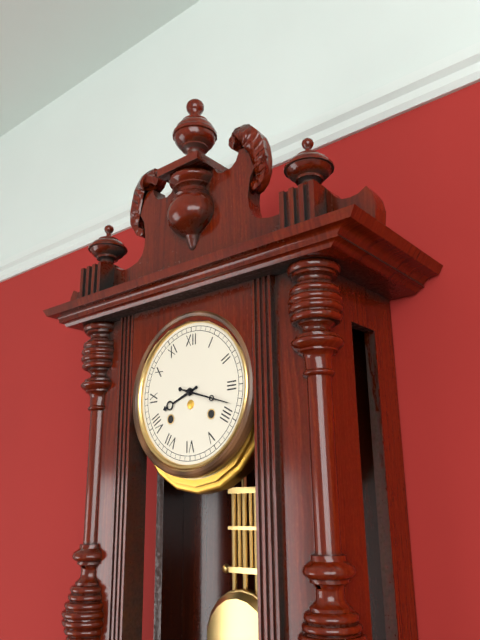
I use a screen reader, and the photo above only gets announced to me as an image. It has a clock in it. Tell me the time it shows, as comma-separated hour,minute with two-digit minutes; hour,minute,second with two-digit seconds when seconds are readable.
8,18
